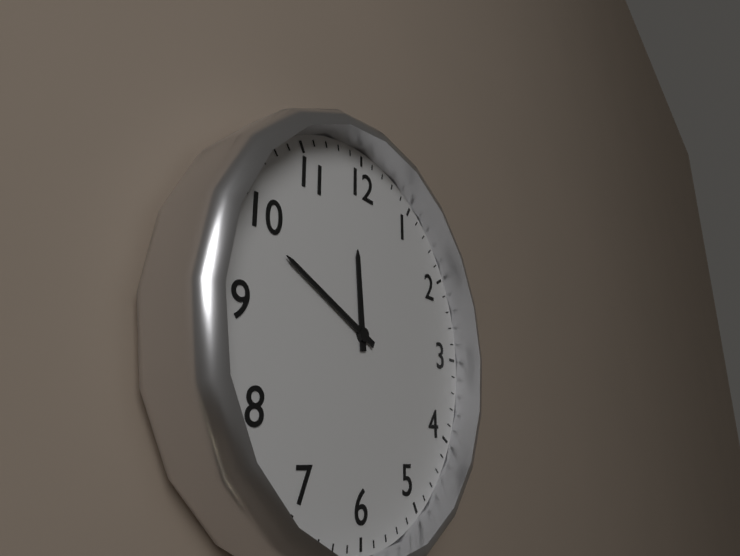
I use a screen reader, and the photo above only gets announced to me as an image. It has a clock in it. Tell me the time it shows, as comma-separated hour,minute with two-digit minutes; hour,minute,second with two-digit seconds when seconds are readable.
11,49
